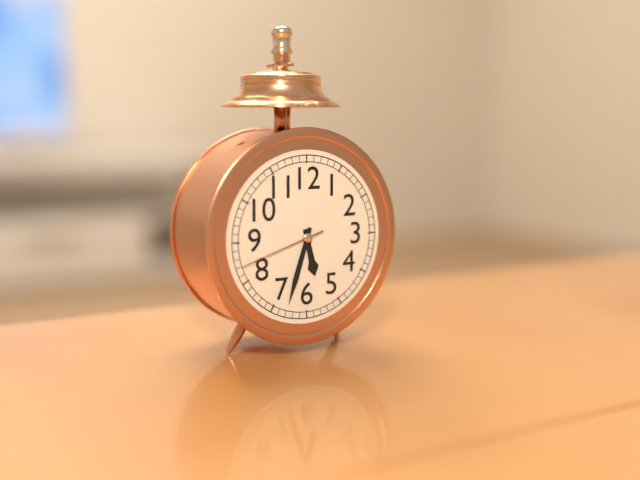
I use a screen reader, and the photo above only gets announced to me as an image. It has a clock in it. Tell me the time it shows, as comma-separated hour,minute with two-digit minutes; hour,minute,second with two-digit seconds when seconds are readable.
5,33,42
